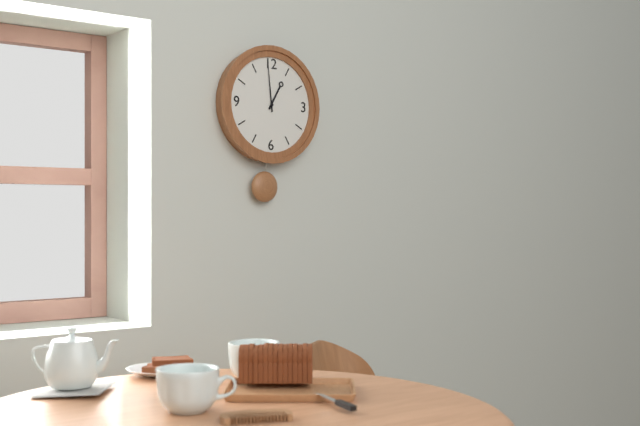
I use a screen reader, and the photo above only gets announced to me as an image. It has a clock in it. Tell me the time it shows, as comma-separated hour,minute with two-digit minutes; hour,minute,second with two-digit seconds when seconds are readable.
12,59
